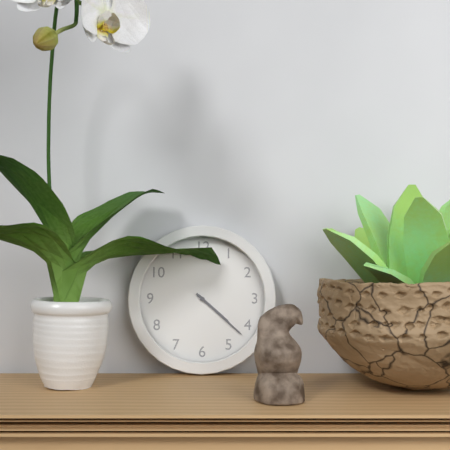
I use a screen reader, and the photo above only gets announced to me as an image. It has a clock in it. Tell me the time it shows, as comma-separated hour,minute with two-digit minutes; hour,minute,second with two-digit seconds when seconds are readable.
4,22
